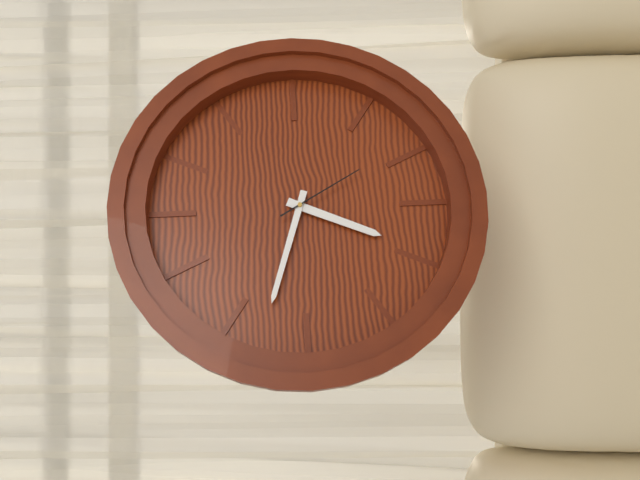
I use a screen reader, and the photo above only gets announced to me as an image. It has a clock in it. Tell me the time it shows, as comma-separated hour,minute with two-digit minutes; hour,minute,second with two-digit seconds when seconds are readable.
6,48,25
